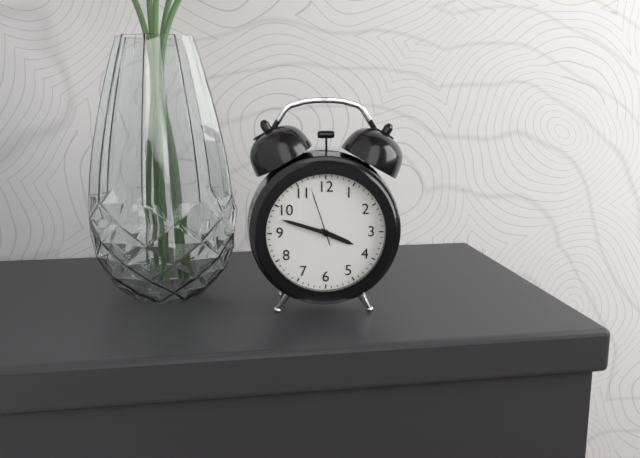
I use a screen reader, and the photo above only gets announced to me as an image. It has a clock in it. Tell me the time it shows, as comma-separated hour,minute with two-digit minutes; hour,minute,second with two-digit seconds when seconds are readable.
3,48,57
